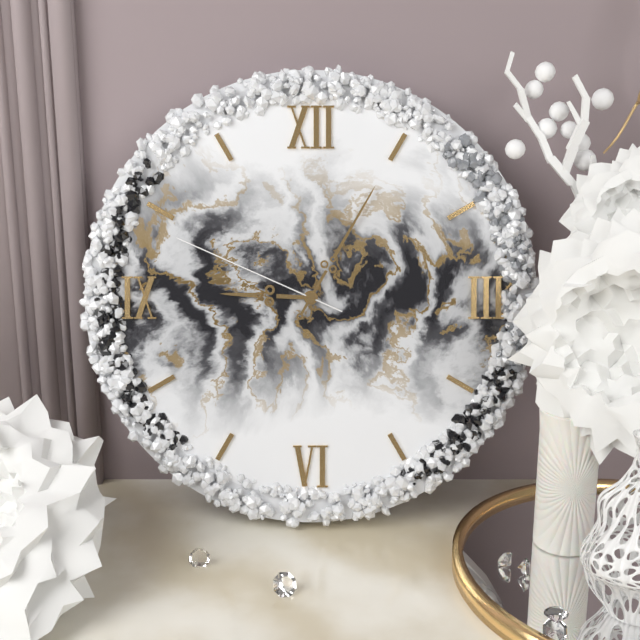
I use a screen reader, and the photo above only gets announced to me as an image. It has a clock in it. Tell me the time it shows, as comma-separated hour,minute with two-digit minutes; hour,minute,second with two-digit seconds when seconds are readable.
9,05,49
